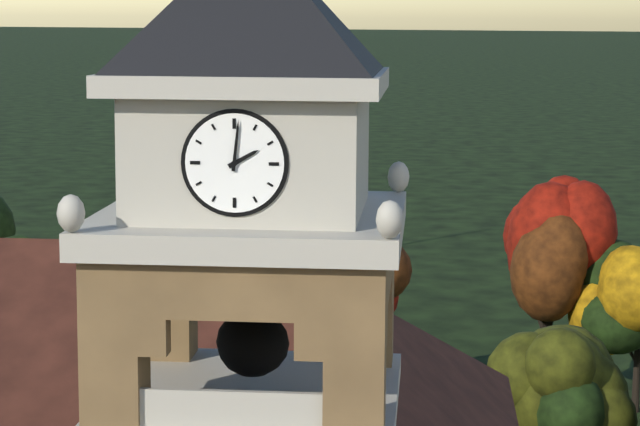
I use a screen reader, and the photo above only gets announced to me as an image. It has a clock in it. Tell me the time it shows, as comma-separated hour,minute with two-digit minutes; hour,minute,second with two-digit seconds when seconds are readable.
2,01
